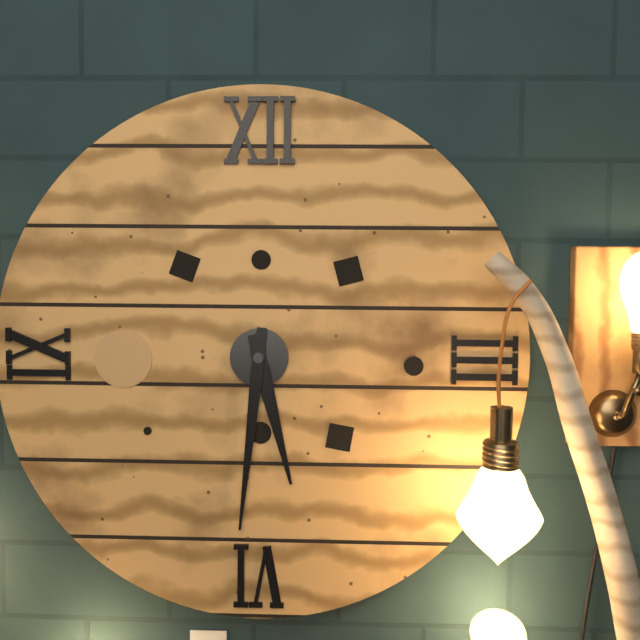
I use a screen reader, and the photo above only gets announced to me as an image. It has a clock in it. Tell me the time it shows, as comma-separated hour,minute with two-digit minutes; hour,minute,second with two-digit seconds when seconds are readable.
5,31
